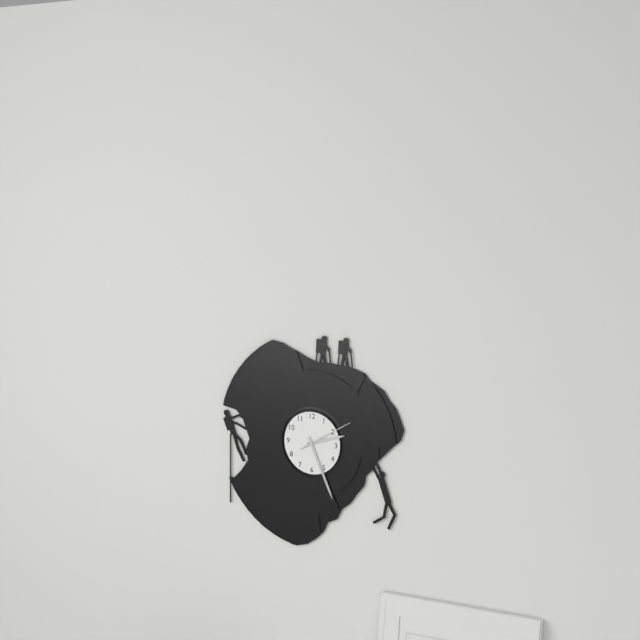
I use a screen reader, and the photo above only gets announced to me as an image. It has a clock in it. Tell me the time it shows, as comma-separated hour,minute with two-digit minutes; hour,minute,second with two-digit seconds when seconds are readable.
2,26,10
